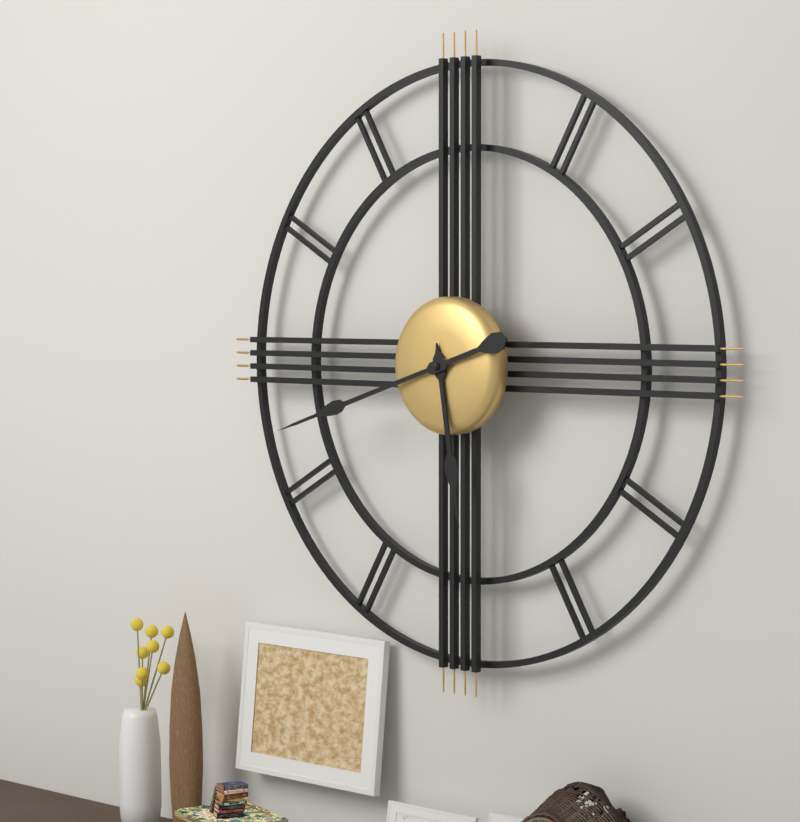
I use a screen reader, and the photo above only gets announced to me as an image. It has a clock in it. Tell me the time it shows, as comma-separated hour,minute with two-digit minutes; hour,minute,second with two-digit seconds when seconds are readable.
5,42
